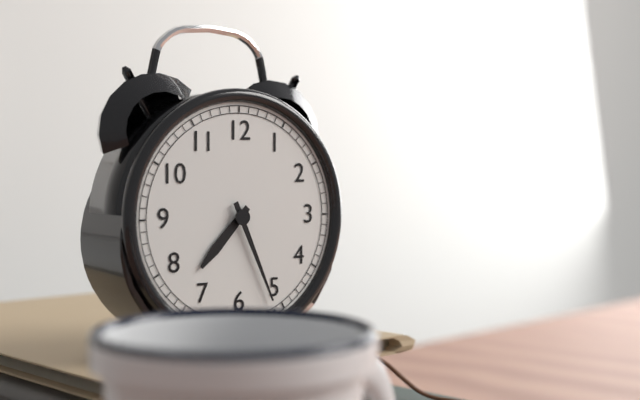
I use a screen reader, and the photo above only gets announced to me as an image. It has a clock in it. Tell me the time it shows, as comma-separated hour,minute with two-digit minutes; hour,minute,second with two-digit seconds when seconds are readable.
7,26
